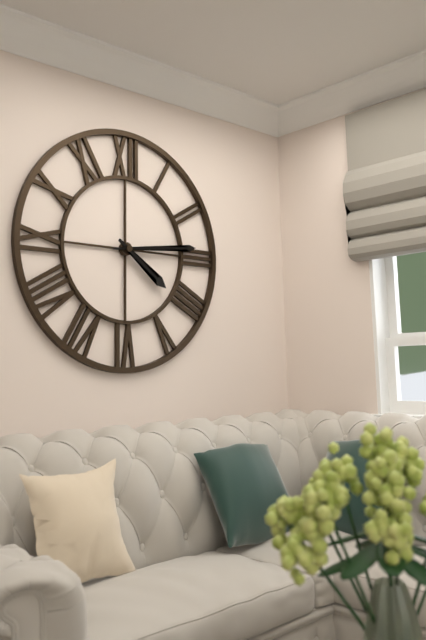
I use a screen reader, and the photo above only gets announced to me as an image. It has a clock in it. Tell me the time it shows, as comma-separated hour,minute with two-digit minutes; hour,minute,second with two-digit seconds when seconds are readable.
4,14
